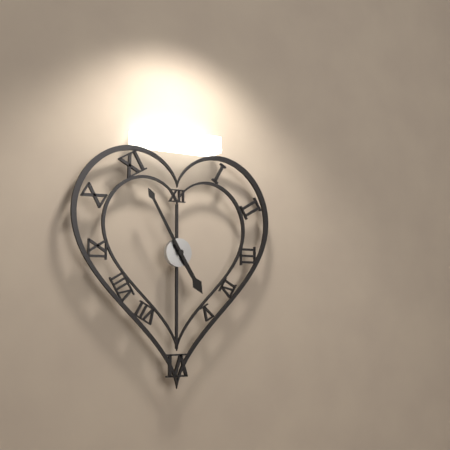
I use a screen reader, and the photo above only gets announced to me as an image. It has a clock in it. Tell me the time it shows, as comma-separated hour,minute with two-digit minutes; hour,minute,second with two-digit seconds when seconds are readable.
4,55
